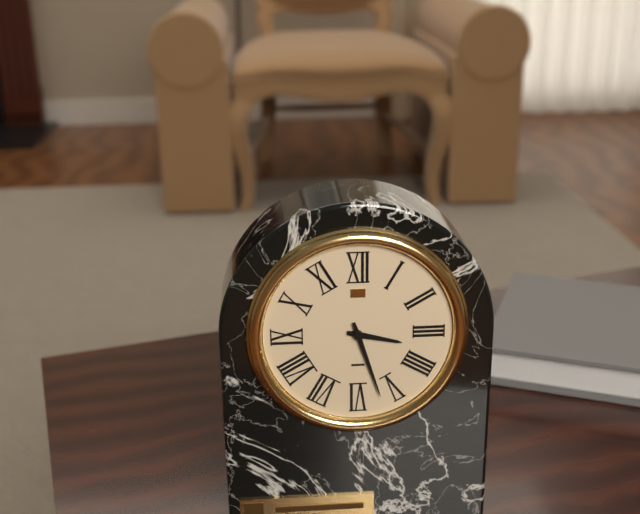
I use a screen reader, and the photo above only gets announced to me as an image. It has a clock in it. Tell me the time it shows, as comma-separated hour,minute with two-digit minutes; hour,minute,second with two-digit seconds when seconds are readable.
3,27
